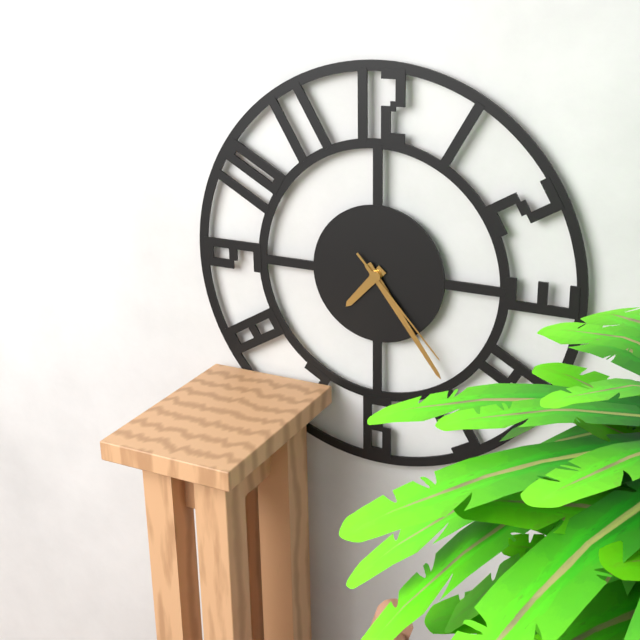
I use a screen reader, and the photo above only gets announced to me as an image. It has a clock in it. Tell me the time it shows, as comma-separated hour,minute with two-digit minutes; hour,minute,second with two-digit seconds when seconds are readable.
7,24,23
